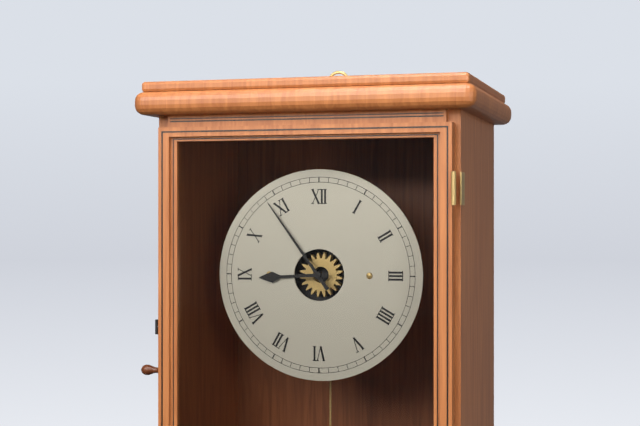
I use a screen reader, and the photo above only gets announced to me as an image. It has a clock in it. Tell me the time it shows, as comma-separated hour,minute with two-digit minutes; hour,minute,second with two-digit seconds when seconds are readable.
8,54
